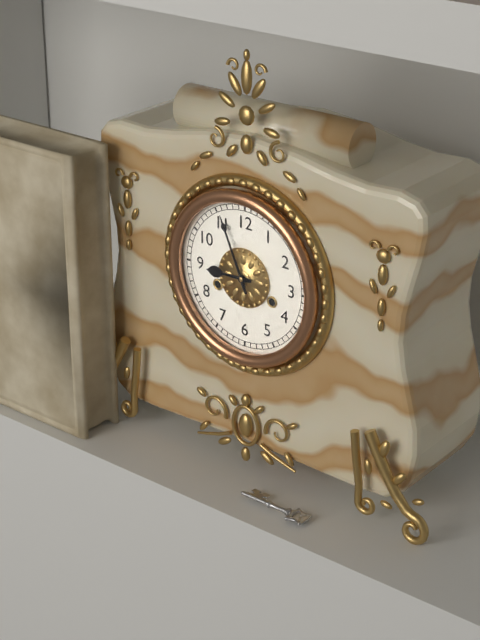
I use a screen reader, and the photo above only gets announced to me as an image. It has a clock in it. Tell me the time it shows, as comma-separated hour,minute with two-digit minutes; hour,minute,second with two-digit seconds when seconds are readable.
8,56
